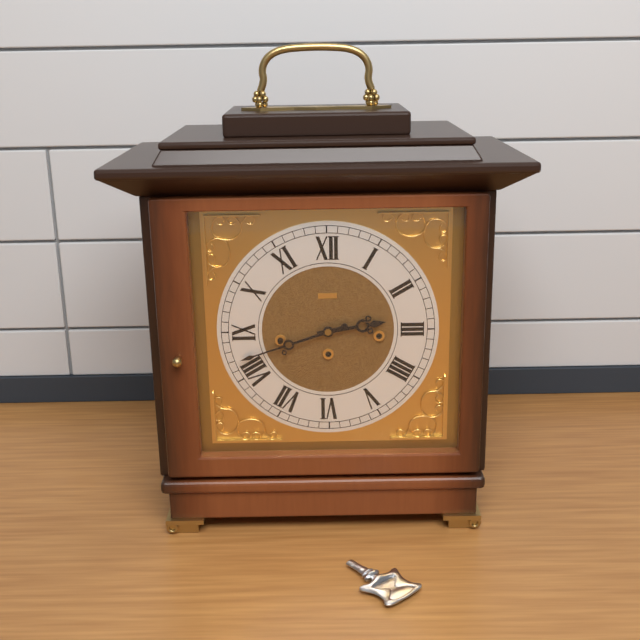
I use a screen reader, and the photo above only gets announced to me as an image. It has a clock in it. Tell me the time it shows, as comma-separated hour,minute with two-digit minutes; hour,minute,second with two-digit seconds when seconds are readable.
2,42
